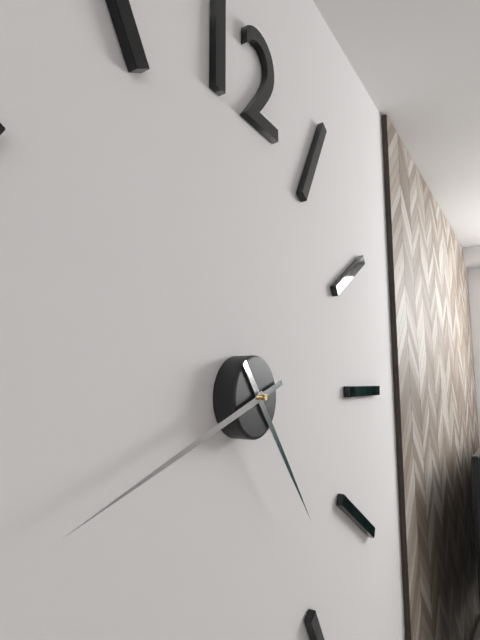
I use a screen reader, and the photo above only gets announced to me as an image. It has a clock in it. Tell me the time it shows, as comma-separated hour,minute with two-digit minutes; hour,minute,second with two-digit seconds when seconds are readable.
4,42
